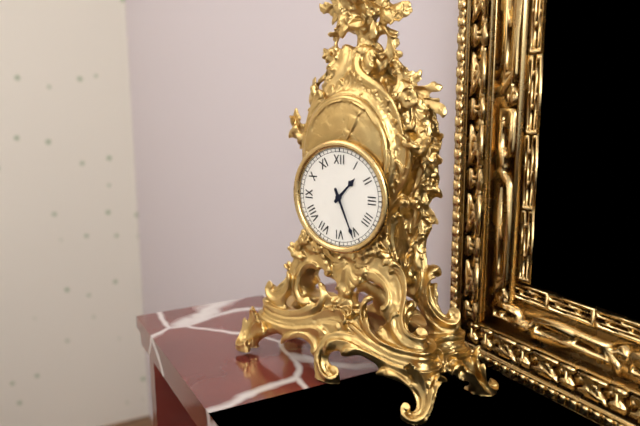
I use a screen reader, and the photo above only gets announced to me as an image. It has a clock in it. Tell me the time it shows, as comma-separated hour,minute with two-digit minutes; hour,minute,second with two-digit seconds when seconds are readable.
1,26
